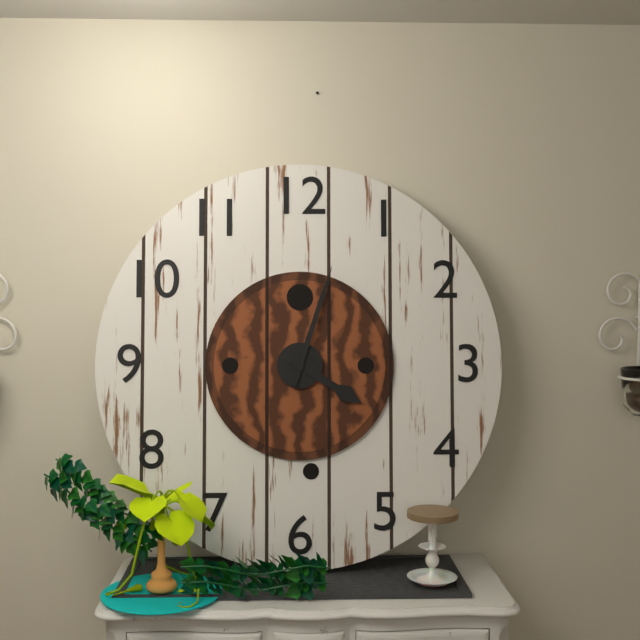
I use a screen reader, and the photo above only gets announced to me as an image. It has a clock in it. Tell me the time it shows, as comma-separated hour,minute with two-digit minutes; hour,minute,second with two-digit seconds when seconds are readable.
4,03
